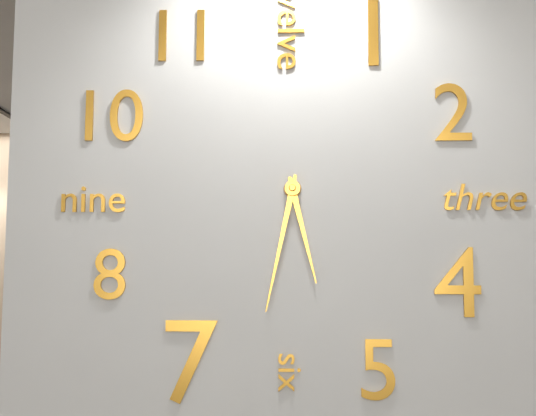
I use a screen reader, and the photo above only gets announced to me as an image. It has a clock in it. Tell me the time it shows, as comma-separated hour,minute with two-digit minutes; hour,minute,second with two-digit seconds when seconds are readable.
5,32
